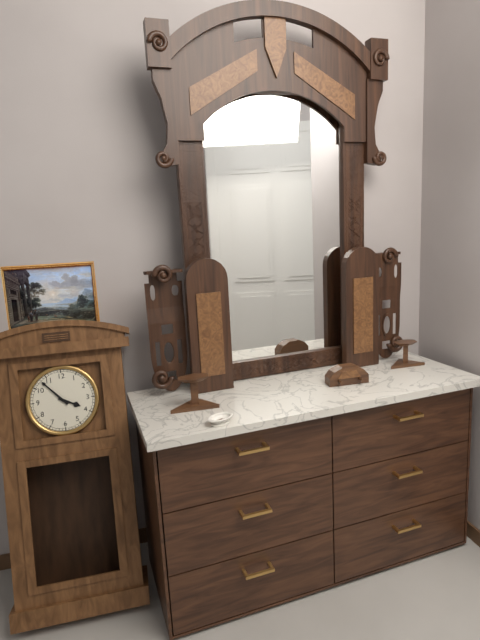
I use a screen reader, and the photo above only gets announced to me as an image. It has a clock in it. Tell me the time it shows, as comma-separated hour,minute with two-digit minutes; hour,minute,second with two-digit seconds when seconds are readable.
3,53
